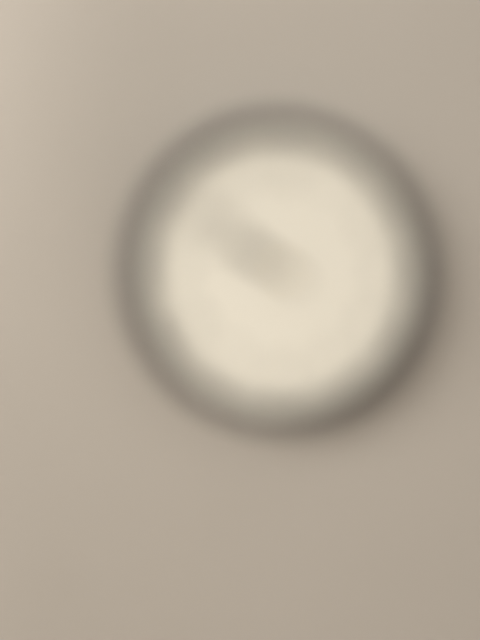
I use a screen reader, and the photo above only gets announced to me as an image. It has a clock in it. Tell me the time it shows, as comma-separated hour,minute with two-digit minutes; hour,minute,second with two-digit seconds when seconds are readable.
9,51
